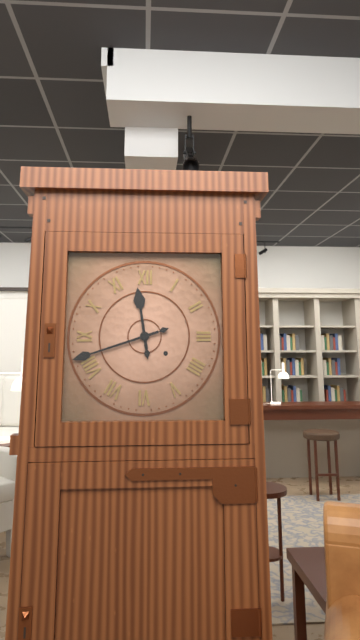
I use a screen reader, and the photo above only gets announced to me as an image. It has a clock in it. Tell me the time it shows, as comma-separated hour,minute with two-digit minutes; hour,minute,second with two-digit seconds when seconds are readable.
11,42
